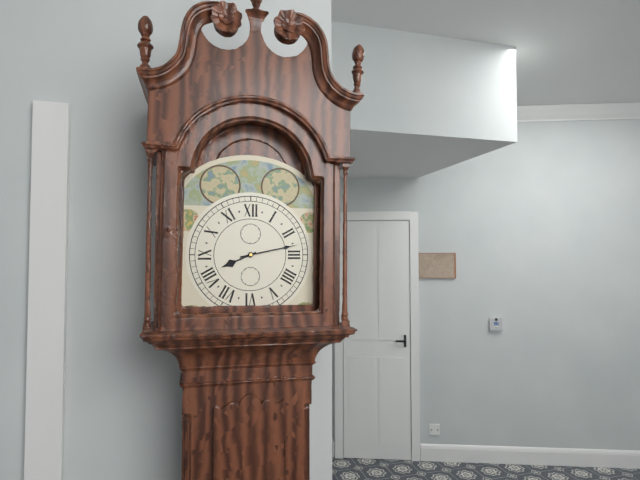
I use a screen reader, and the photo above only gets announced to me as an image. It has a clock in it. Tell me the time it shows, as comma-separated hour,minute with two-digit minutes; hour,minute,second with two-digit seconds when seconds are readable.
8,13
